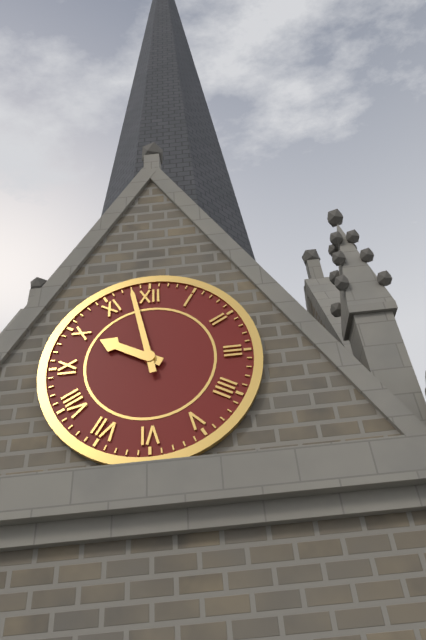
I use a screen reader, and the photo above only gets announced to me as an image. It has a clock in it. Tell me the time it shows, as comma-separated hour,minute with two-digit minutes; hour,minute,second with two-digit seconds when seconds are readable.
9,58
